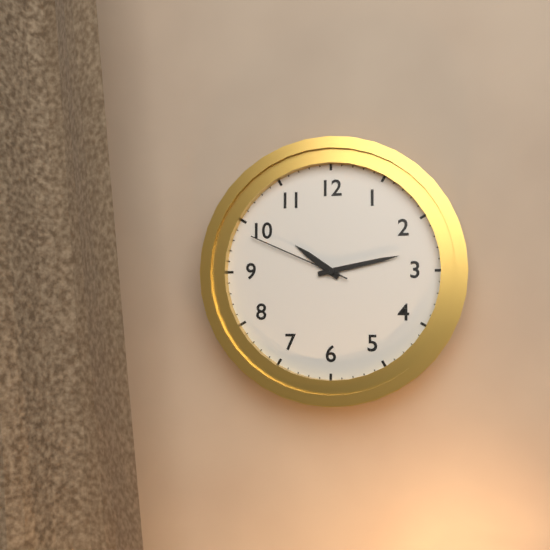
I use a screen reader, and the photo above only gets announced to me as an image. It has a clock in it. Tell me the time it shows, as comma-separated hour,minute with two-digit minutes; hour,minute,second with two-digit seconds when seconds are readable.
10,13,49
